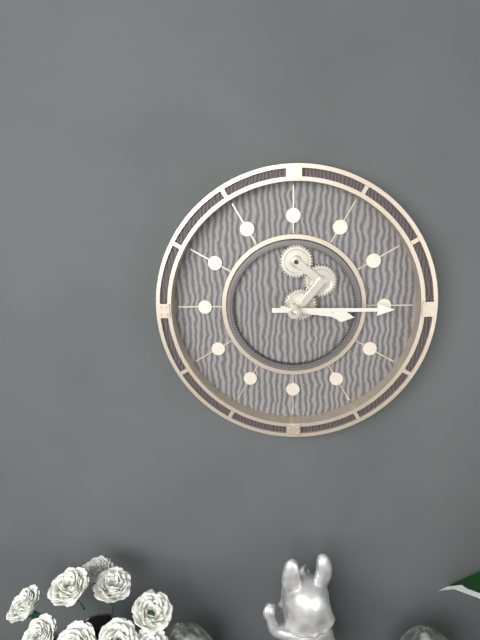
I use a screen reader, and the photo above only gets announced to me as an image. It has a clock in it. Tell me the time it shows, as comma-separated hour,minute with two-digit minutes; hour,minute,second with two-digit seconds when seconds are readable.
3,15
